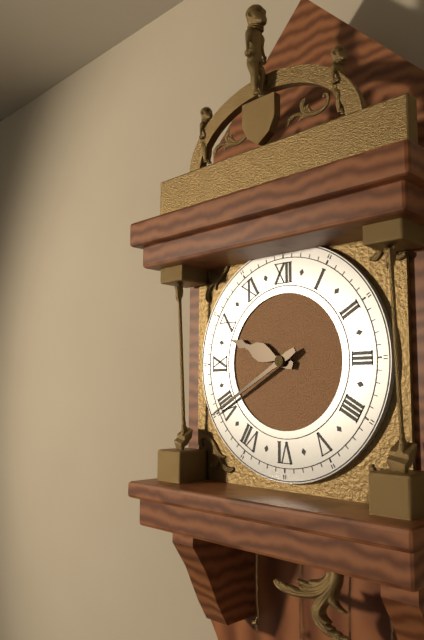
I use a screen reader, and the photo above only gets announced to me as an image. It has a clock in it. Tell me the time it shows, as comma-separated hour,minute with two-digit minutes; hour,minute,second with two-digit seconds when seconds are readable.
9,40
